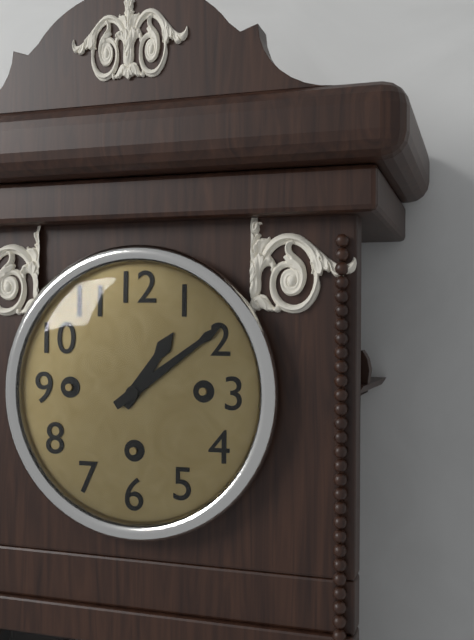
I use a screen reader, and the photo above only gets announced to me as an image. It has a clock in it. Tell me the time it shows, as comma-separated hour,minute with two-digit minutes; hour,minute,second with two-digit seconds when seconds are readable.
1,09
